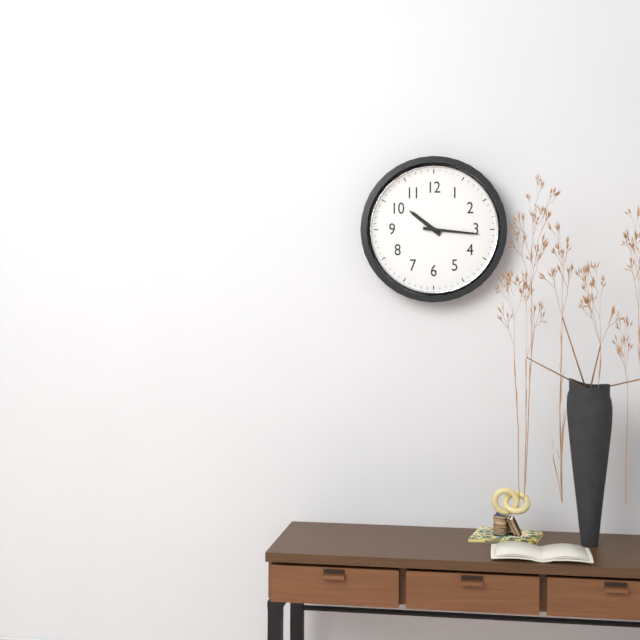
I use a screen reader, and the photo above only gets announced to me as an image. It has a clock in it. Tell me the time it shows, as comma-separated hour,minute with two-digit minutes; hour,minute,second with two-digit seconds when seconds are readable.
10,16
